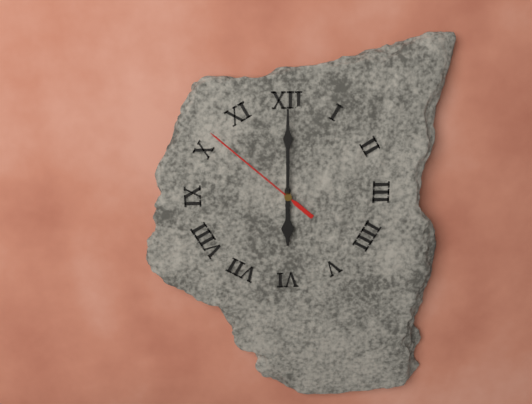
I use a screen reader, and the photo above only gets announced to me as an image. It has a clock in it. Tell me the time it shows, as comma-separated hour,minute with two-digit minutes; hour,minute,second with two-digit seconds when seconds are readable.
6,00,52
